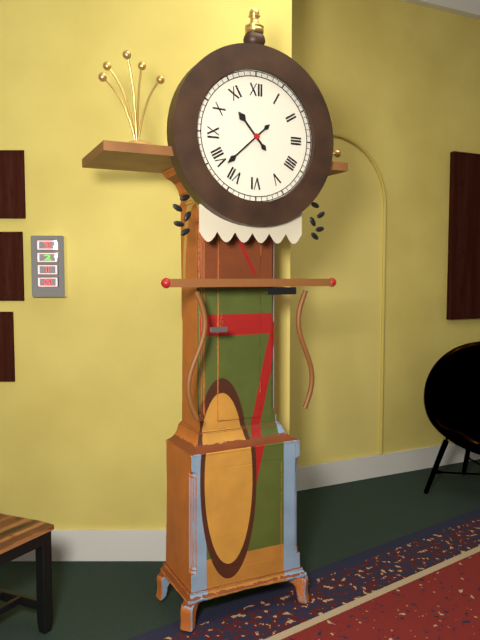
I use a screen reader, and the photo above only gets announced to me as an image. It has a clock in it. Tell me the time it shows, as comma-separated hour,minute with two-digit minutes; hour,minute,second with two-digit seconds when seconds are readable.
10,38
